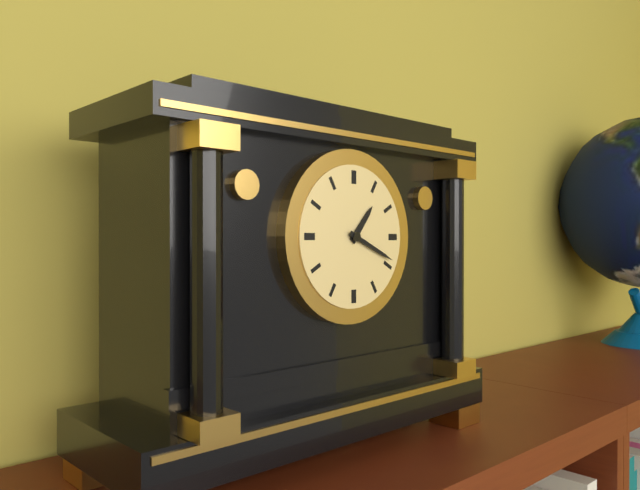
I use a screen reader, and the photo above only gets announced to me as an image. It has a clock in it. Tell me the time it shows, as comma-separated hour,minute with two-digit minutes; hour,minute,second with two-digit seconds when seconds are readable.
1,19
